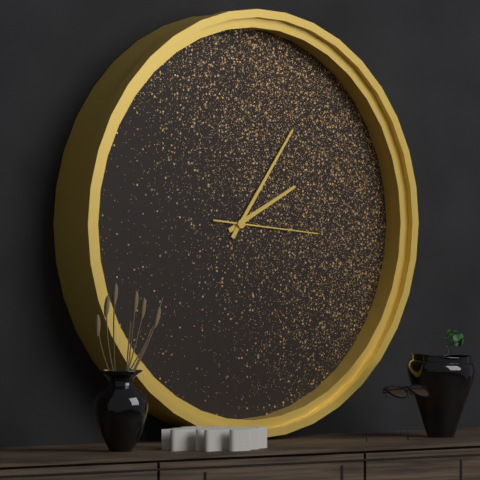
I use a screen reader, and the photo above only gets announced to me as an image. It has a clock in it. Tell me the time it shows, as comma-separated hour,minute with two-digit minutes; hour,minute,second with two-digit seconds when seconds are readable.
2,06,16
